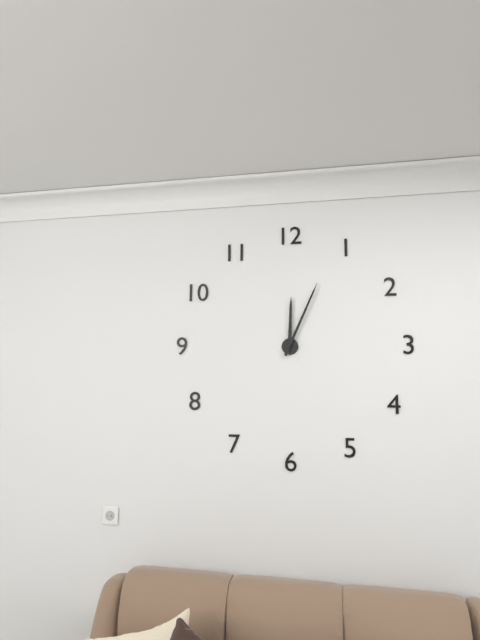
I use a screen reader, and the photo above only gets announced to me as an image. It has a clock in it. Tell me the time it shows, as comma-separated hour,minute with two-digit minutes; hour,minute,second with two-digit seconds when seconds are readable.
12,04
